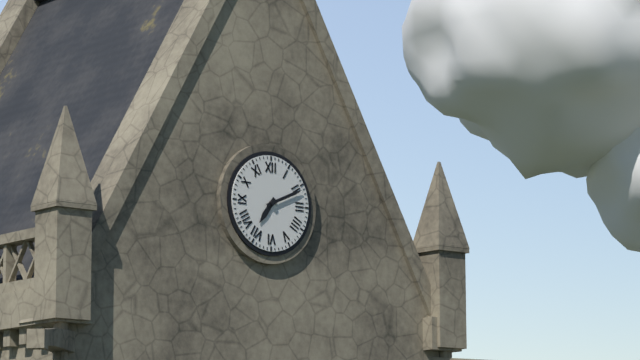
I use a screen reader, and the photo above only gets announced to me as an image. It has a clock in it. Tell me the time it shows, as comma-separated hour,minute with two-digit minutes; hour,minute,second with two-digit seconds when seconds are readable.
7,11
